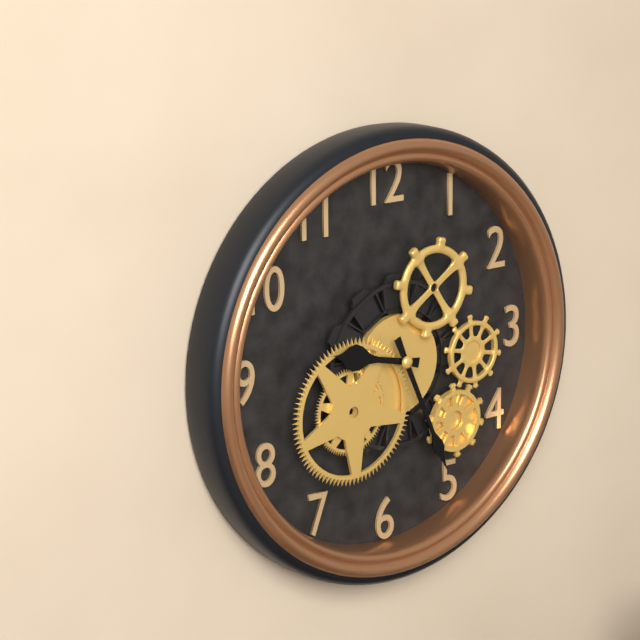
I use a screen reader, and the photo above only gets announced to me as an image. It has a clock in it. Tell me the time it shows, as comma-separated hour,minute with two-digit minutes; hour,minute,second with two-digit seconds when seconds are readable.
9,26
